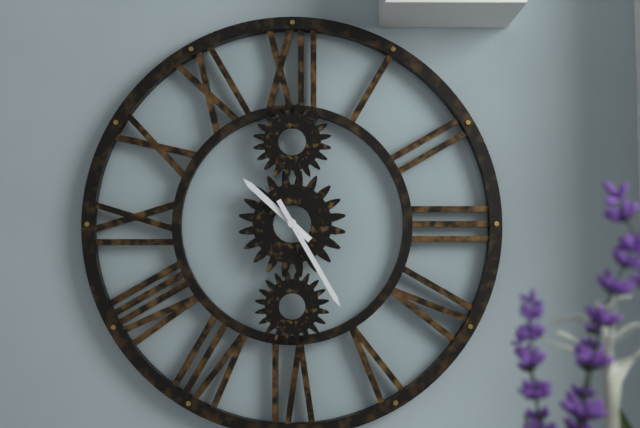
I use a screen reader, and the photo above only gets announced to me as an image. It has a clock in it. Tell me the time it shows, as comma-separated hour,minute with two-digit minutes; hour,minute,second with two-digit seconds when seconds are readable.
10,25
